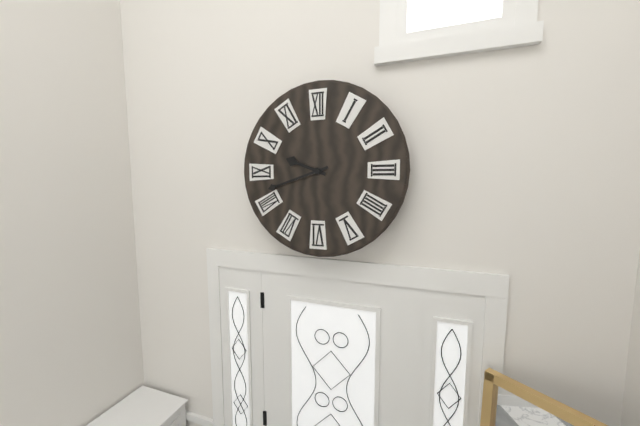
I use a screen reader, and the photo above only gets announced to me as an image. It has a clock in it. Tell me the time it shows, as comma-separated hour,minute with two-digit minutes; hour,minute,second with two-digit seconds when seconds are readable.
9,42
